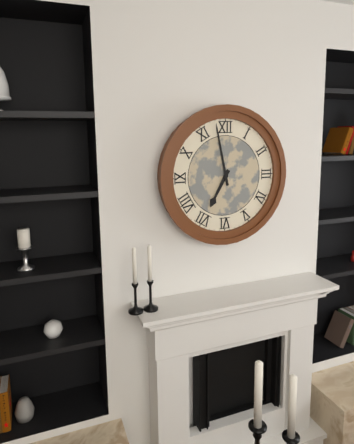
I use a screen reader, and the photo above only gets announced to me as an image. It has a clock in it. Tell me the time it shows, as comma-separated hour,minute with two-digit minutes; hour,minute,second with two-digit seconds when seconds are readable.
6,58
